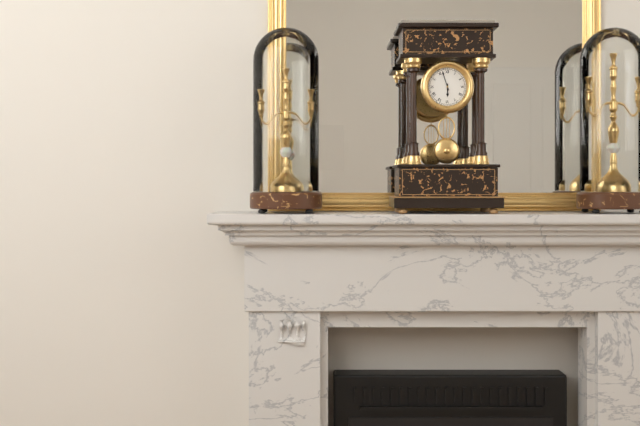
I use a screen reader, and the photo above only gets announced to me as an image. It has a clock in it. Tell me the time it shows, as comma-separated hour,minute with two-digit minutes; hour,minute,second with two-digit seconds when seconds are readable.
5,57
